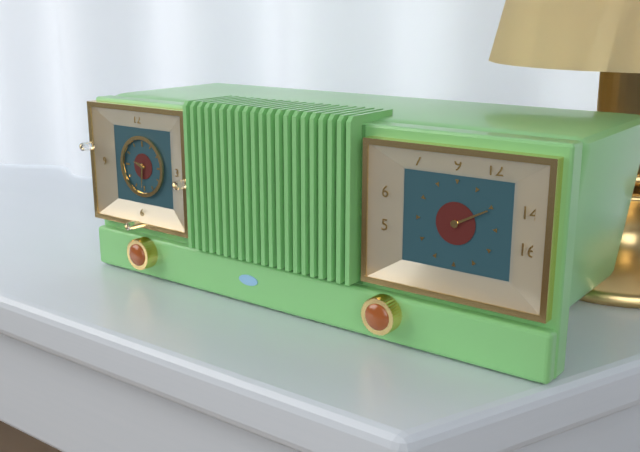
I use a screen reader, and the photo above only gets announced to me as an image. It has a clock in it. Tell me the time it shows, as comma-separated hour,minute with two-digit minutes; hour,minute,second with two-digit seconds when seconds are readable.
9,31
